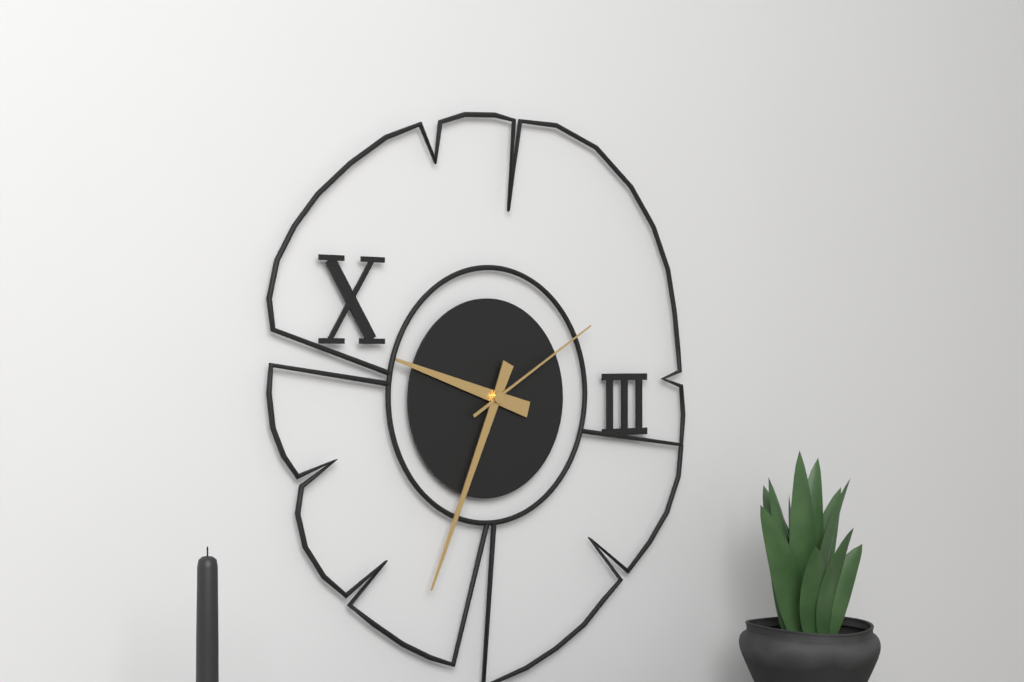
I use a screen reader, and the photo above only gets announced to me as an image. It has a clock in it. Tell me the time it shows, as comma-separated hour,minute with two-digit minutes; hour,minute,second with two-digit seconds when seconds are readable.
9,34,10
